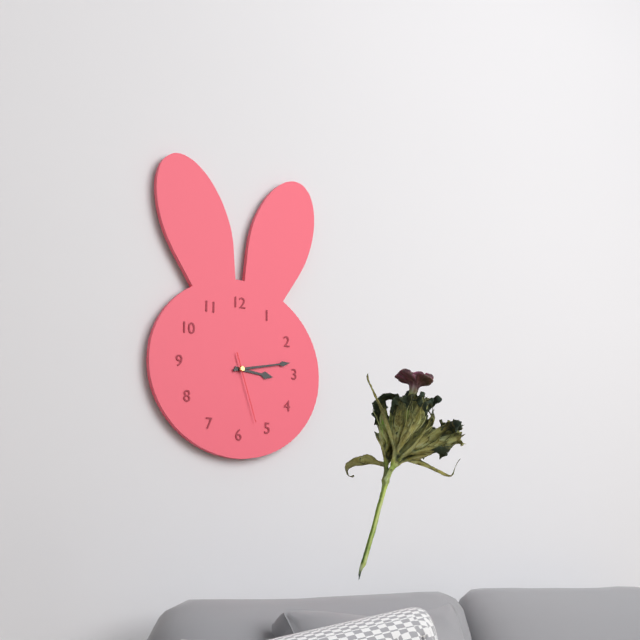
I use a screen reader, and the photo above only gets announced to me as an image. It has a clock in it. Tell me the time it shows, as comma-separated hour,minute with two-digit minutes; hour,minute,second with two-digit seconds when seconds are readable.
3,13,27
